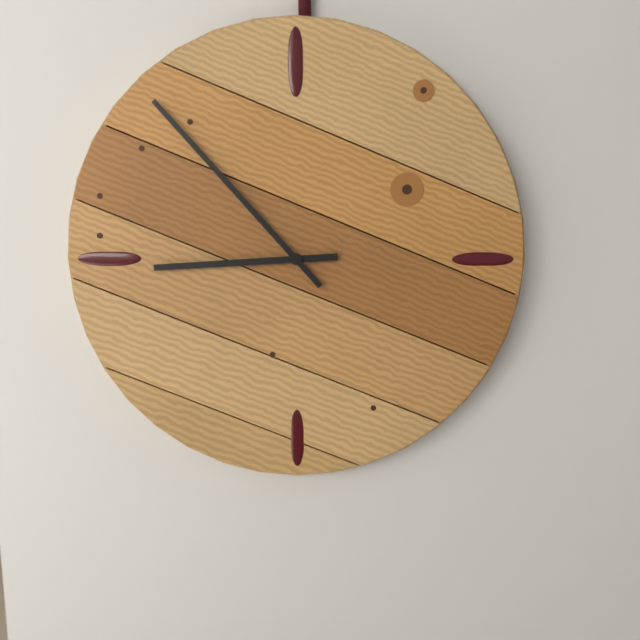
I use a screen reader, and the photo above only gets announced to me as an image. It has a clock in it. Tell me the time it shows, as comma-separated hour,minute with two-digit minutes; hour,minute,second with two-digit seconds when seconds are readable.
8,53
